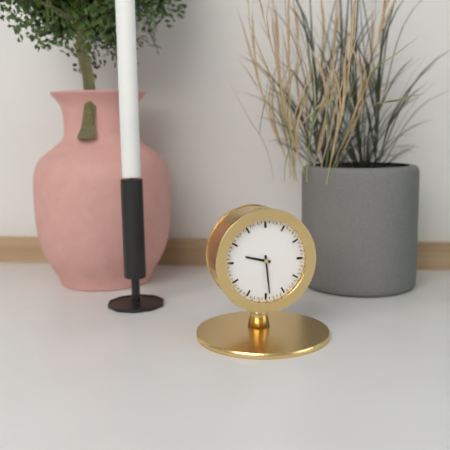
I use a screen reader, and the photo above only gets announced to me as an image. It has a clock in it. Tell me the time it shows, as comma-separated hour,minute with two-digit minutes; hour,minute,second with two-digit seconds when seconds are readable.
9,29
